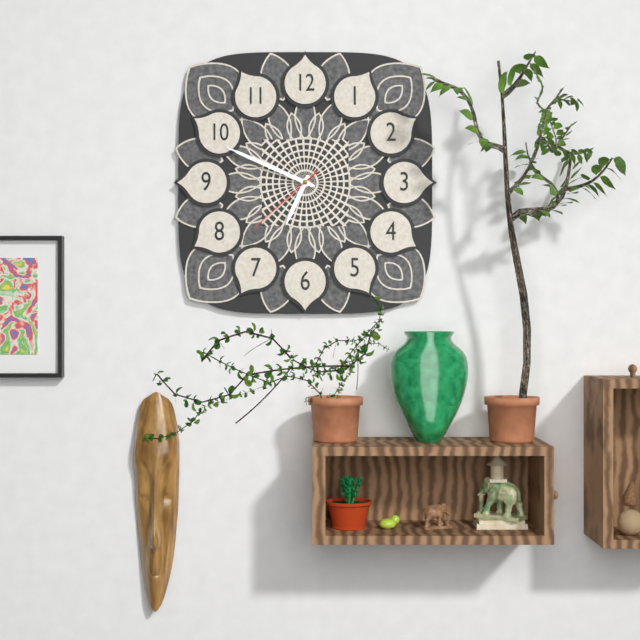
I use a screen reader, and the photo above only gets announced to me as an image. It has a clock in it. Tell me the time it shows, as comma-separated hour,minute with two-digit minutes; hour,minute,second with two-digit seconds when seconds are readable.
6,49,38
